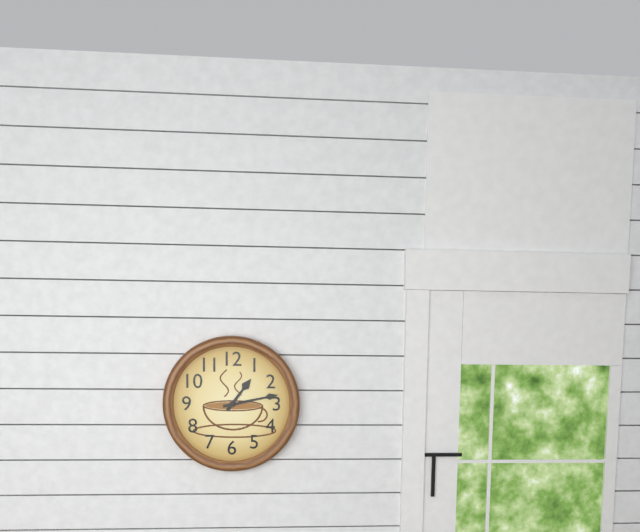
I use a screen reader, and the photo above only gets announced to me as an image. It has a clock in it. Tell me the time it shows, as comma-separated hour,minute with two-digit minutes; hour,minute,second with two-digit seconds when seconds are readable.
1,13
